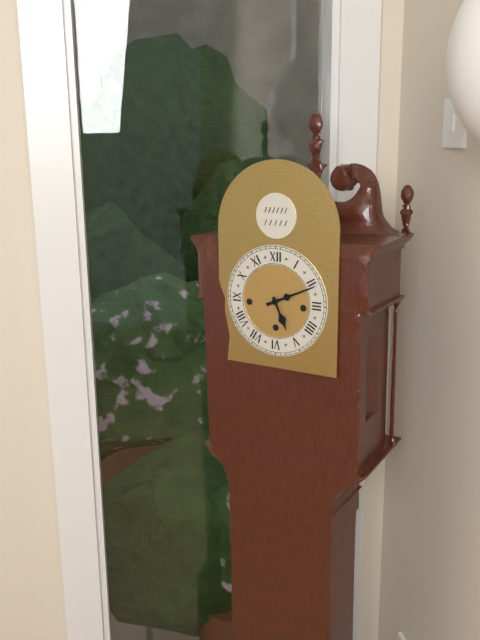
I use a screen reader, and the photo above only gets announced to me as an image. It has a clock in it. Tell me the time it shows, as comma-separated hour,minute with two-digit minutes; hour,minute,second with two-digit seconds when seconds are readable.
5,11
